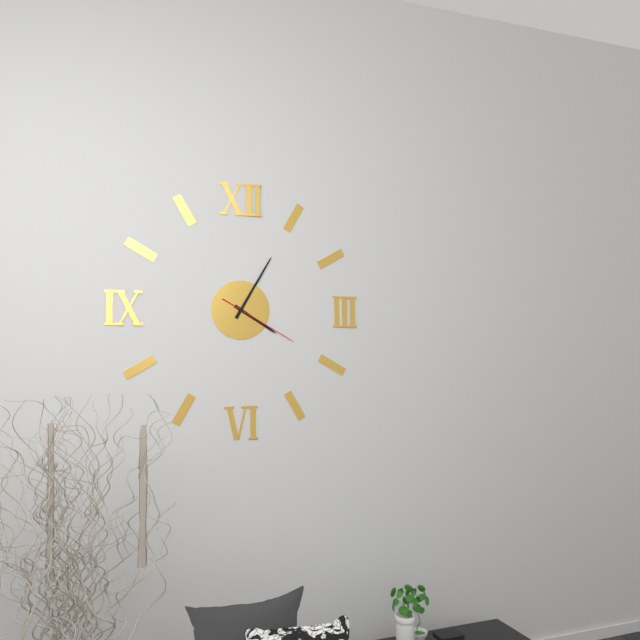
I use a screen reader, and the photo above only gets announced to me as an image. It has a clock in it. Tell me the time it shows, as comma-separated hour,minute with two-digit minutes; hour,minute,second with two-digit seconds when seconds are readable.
4,05,20
